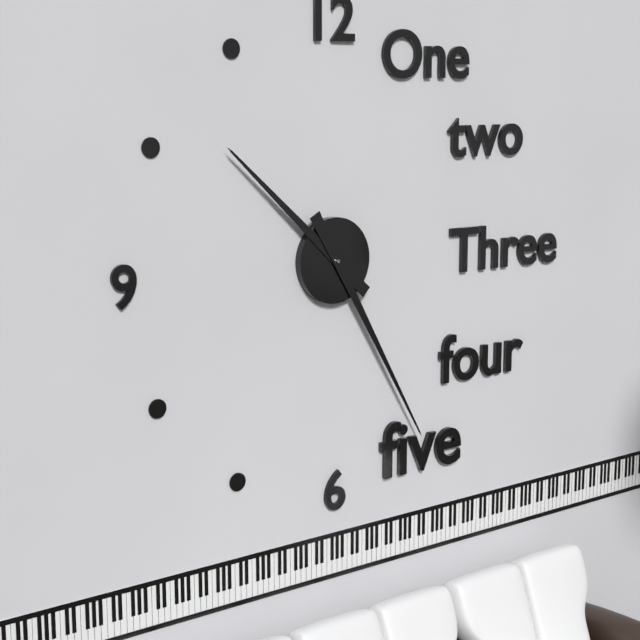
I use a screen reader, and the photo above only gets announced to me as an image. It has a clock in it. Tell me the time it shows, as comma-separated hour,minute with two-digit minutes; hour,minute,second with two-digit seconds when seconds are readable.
10,25
